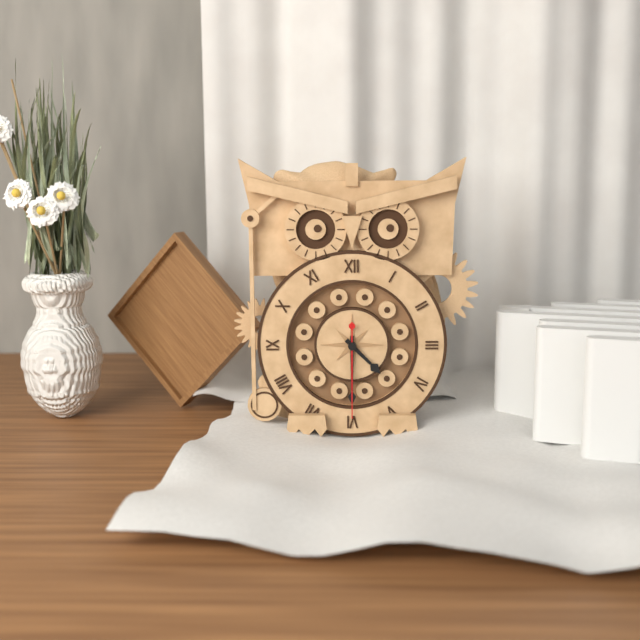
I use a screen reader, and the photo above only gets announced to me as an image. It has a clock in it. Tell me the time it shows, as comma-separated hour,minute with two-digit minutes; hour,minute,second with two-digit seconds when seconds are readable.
4,30,30
